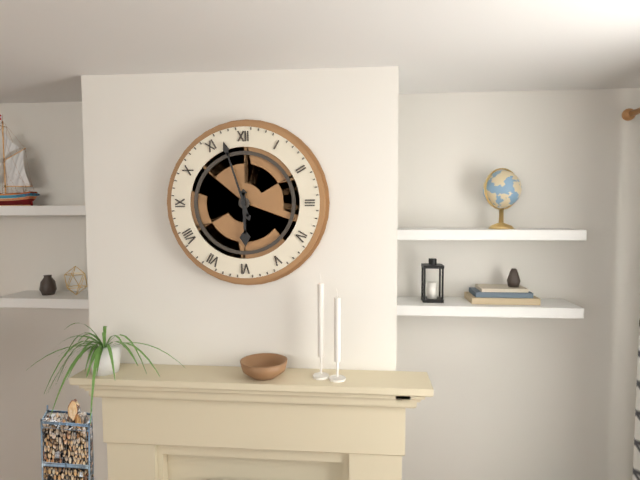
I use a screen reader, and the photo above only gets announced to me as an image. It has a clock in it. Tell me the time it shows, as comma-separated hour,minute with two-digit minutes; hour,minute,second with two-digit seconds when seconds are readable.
5,57
